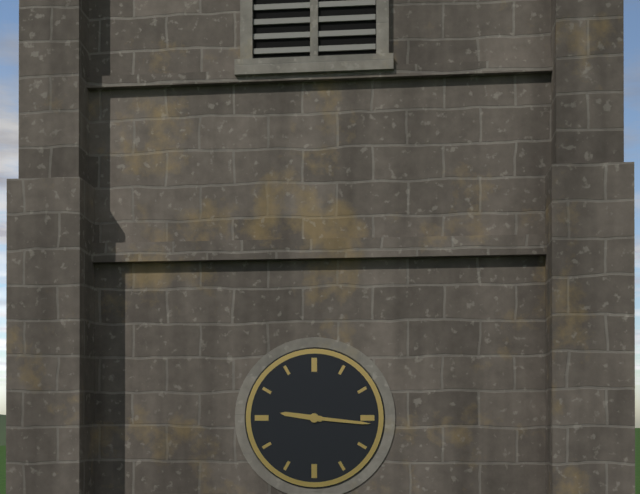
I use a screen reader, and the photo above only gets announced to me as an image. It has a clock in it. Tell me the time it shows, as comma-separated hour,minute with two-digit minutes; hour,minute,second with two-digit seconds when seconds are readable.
9,16
